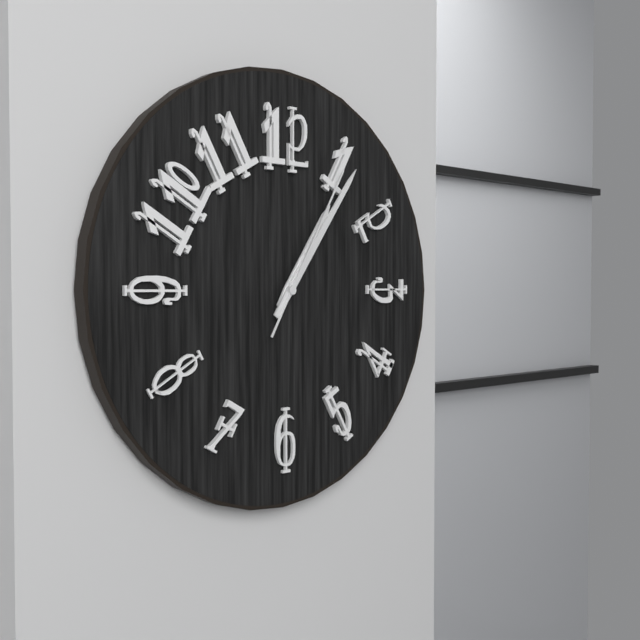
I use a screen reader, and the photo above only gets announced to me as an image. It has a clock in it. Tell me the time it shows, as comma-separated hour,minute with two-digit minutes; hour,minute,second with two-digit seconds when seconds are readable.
1,06,05
